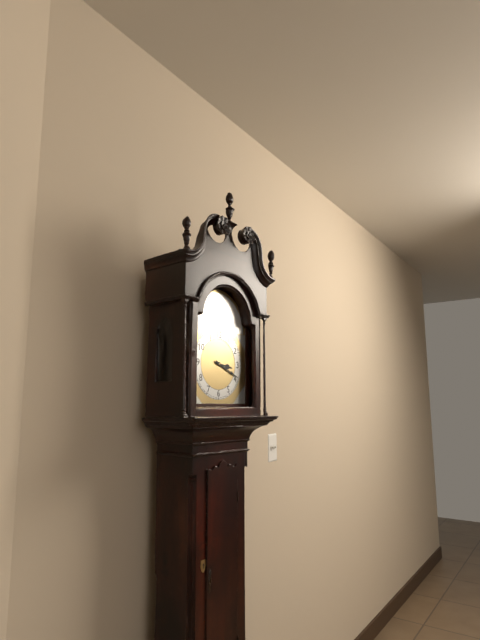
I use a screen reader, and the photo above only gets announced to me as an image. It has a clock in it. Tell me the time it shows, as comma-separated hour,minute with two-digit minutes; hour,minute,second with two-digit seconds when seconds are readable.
3,19
